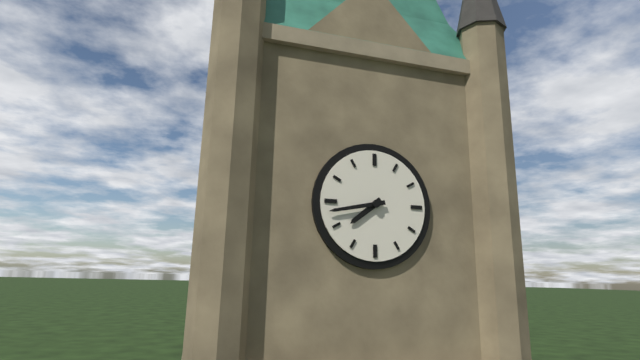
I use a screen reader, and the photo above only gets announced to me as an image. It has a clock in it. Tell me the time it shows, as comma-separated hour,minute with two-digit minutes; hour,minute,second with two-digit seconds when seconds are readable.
7,43
